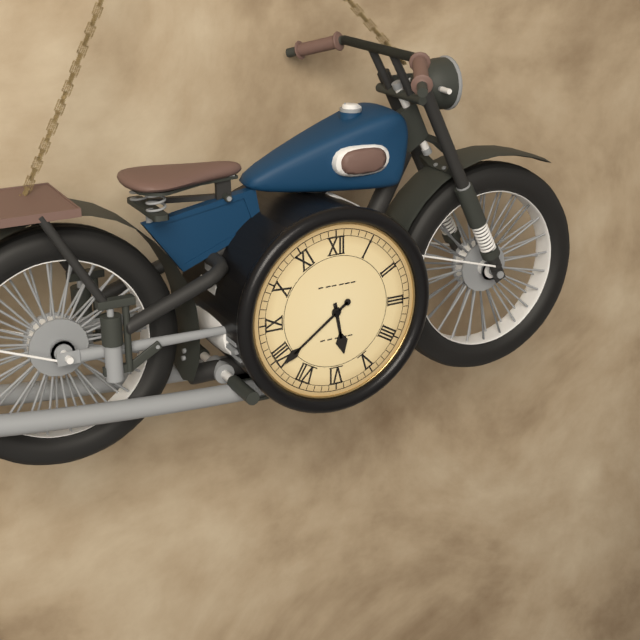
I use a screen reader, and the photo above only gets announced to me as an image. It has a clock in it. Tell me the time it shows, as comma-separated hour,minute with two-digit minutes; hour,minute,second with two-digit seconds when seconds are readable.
5,39
